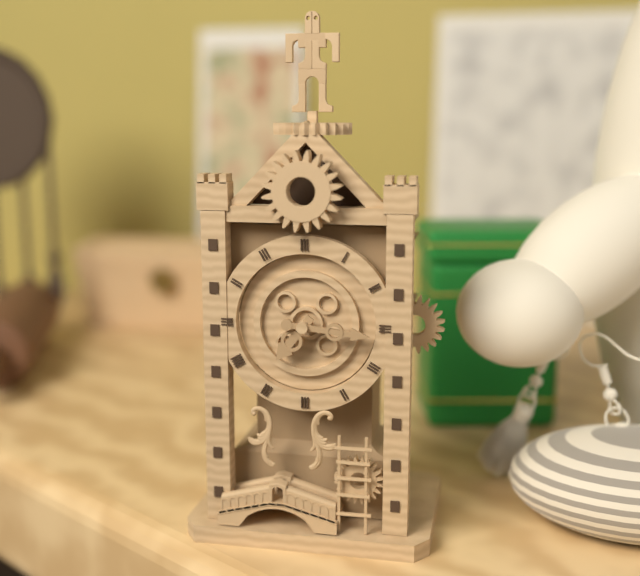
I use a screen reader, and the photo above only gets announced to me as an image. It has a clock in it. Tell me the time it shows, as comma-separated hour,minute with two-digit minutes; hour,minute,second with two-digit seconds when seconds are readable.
7,16
